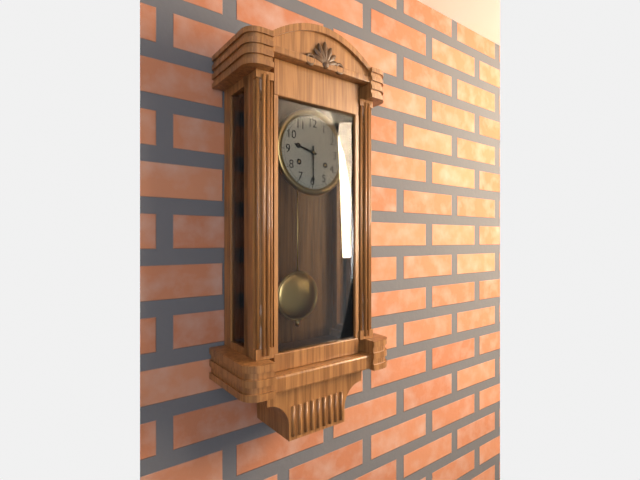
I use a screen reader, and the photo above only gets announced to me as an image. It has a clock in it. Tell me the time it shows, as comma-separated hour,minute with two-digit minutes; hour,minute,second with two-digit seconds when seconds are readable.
9,30
